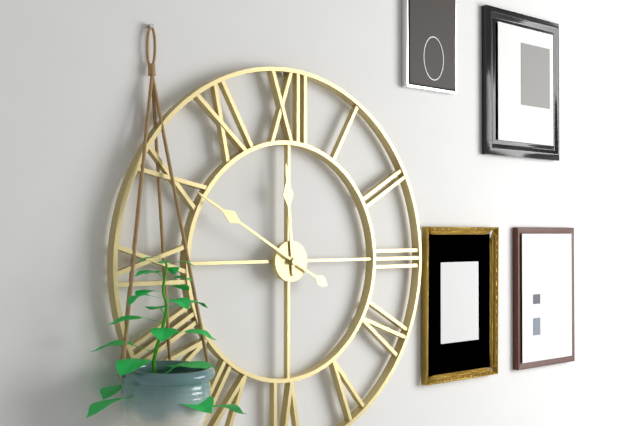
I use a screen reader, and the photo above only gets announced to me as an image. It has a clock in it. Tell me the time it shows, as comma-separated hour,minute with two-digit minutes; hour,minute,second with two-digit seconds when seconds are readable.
11,50
